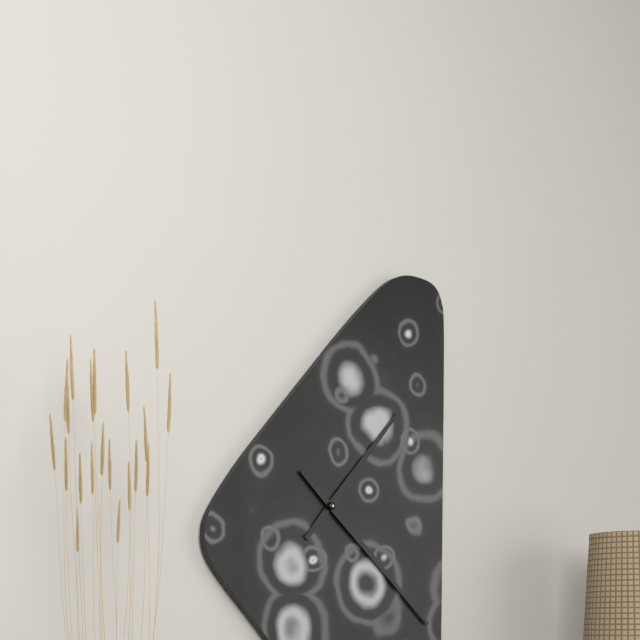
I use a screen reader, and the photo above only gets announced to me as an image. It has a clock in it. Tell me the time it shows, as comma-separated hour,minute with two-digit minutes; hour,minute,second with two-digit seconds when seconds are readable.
1,22
